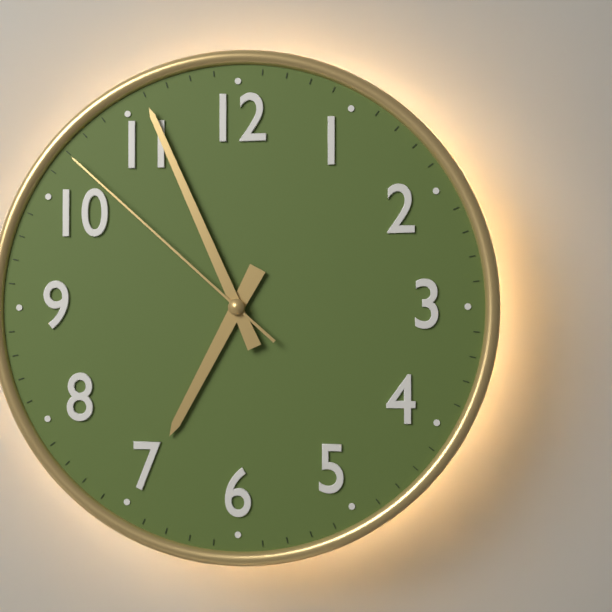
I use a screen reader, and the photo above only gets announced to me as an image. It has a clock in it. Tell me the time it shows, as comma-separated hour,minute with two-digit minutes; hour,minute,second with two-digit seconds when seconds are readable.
6,56,52
